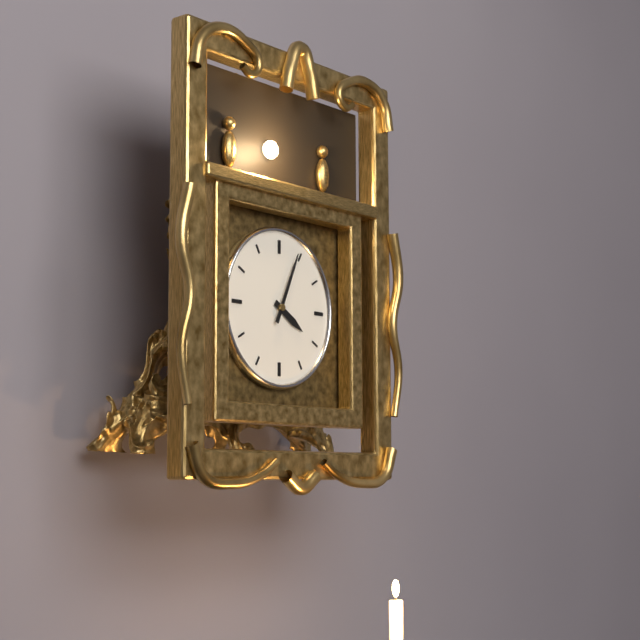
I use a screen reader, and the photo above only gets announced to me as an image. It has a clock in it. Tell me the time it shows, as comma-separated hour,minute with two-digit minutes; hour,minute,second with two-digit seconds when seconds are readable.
4,04
